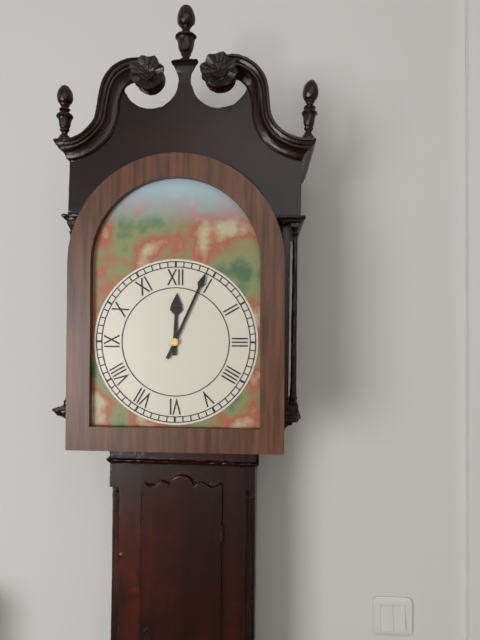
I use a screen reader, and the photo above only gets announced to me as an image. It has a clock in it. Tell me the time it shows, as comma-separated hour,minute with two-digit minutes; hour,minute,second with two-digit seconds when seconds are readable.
12,04
